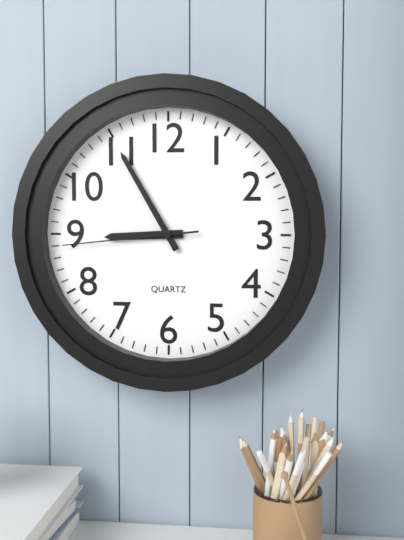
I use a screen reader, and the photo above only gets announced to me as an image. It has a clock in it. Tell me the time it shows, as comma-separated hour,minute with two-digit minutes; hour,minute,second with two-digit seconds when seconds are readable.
8,55,44
